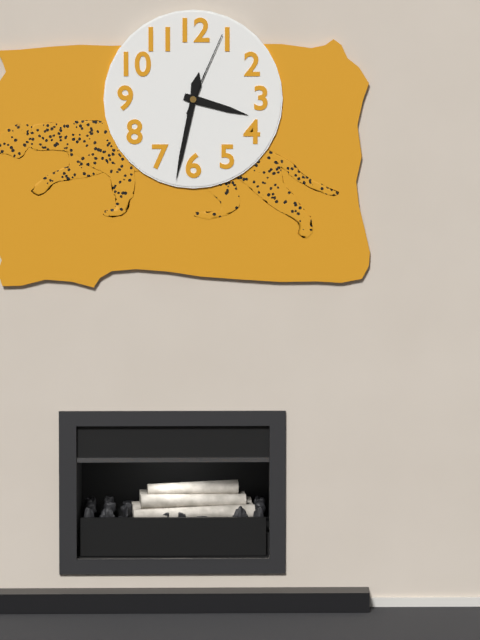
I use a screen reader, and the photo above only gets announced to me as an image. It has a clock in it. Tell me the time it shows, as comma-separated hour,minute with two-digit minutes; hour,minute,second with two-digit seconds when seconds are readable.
3,32,04
